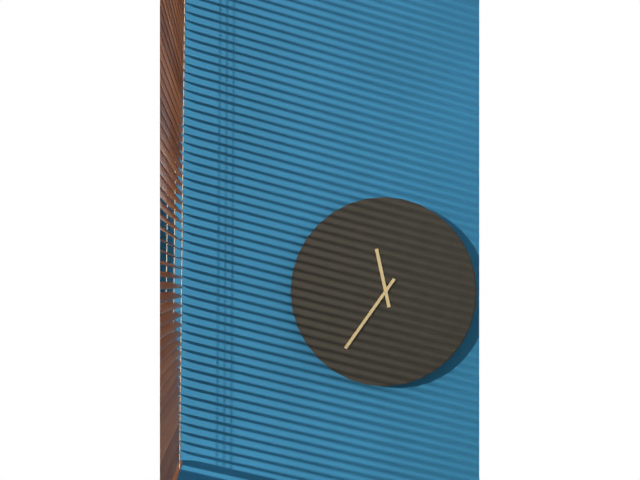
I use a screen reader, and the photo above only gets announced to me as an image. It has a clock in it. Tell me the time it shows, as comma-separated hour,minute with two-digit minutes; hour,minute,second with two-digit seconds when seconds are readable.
11,36
